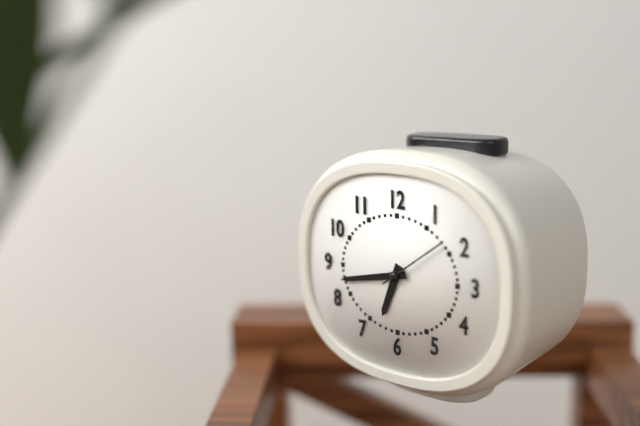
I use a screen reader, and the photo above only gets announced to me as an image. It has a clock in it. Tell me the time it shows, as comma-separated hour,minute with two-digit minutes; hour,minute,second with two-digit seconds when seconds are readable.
6,43,09
